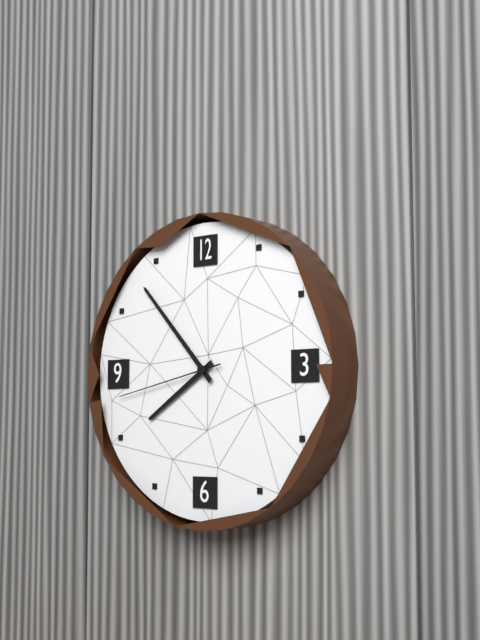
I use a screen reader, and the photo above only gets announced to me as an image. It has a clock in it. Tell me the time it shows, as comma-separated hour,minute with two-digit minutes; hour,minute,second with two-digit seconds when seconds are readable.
7,53,43
